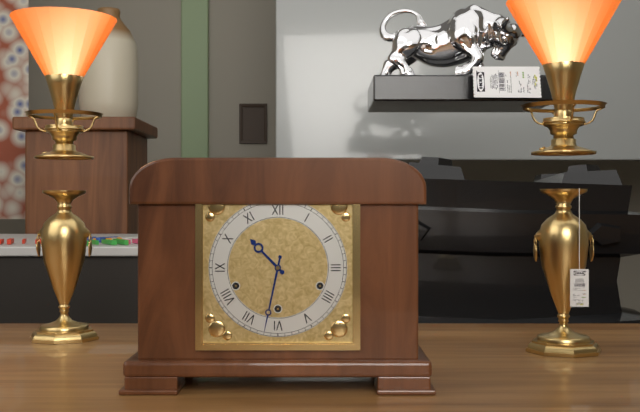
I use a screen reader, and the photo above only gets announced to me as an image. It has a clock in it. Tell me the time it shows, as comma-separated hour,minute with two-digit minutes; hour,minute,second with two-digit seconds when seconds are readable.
10,32
